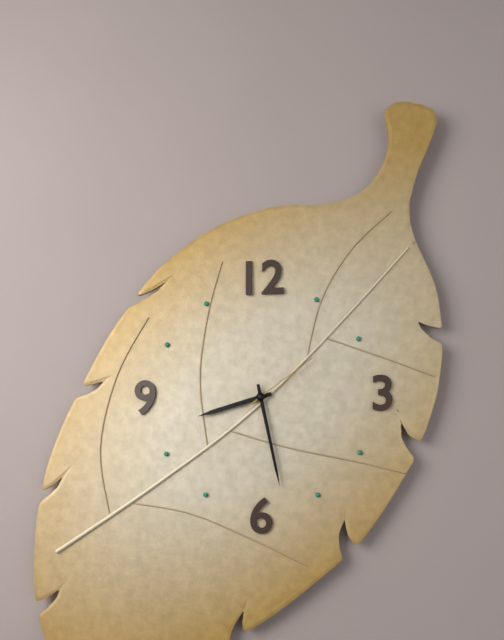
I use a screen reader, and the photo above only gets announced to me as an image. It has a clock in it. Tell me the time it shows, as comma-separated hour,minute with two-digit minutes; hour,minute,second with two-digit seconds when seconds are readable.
8,28,09
